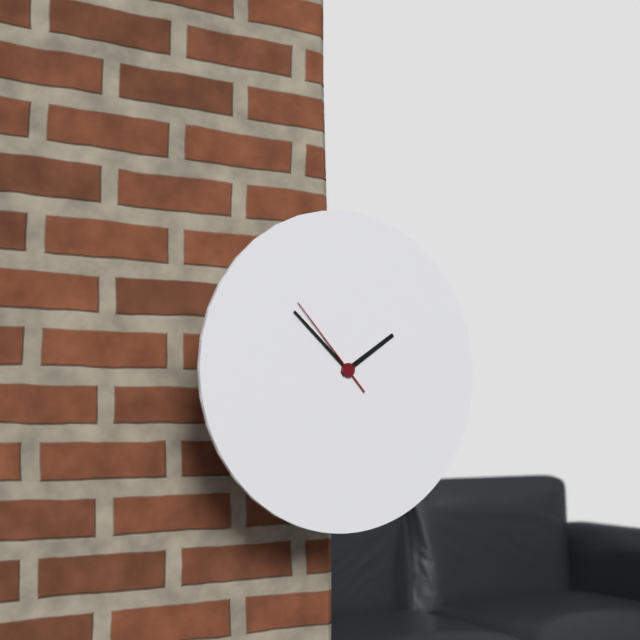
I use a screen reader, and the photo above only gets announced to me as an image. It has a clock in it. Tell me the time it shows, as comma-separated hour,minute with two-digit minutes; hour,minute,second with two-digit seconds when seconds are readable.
1,52,53
